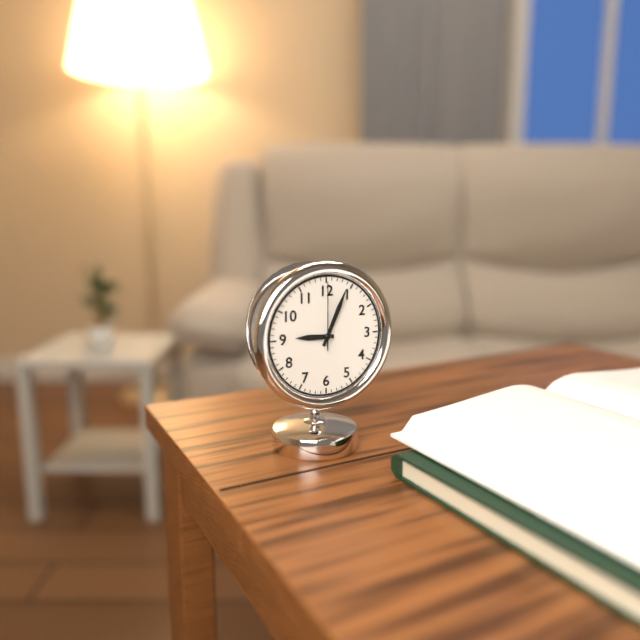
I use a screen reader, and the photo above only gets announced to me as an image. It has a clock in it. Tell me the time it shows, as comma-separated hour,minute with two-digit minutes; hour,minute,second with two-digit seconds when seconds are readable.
9,04,00
